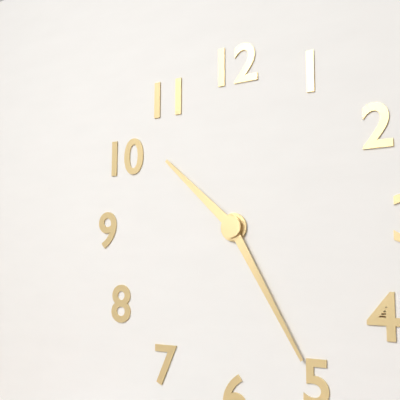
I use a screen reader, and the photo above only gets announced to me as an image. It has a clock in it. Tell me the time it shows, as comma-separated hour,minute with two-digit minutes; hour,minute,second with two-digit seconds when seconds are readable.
10,25
